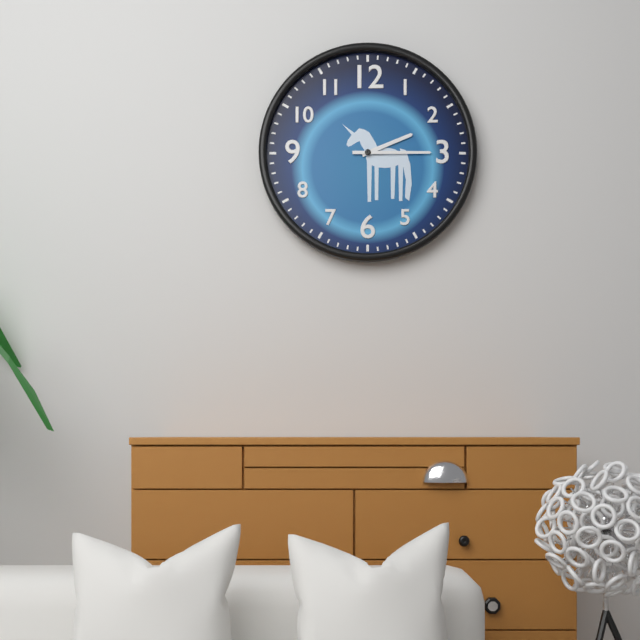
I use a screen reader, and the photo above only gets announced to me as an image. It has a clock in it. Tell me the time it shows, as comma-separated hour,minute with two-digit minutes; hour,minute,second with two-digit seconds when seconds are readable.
2,15
